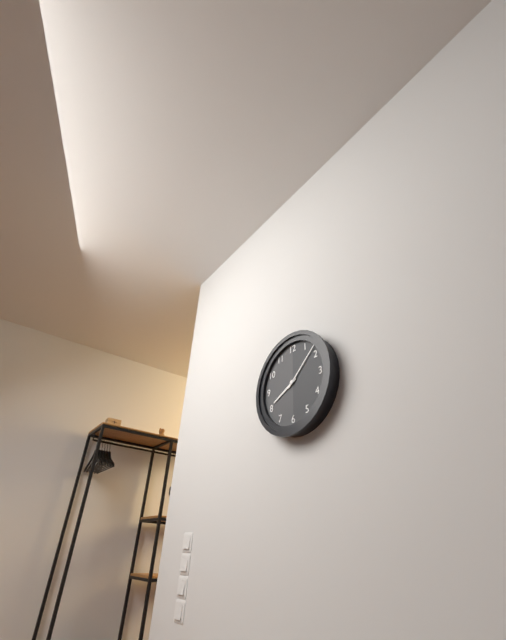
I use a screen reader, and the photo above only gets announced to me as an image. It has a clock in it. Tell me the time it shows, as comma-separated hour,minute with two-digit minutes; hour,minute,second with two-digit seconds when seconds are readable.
8,08
